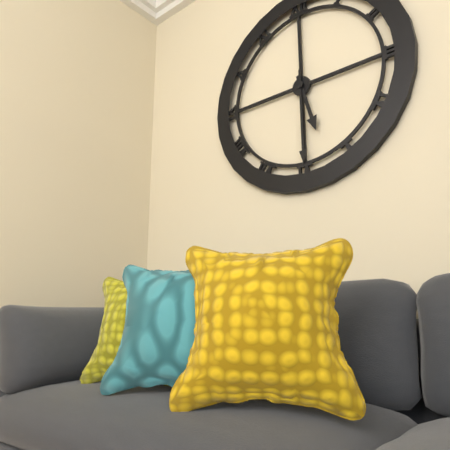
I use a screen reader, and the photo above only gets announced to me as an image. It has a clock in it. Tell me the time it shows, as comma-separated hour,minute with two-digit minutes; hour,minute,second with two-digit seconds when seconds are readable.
5,30
